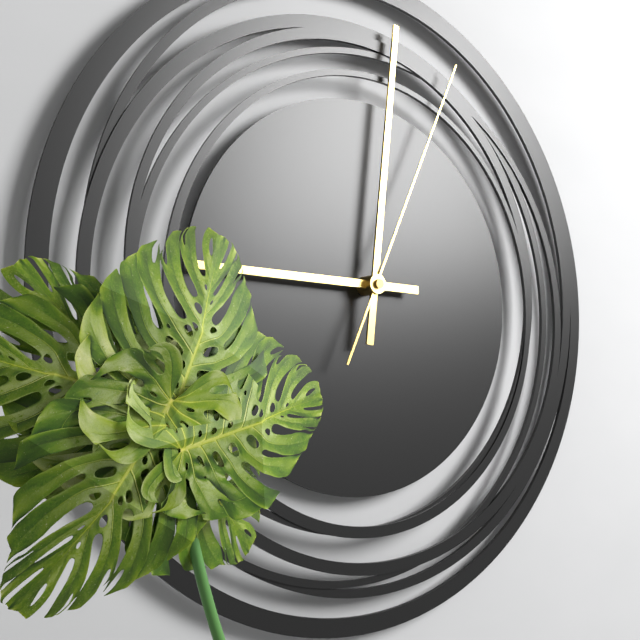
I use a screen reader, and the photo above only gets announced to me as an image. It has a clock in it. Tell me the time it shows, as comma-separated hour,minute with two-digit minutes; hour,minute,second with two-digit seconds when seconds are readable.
9,01,04
